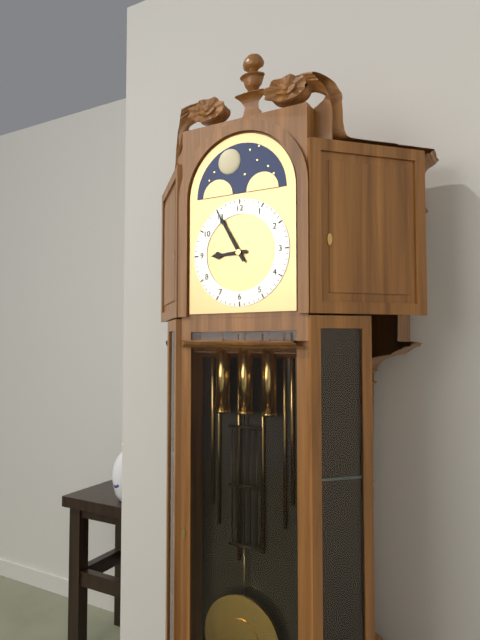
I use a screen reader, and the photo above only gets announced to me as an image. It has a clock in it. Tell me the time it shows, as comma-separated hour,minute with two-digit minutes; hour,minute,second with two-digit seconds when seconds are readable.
8,55
